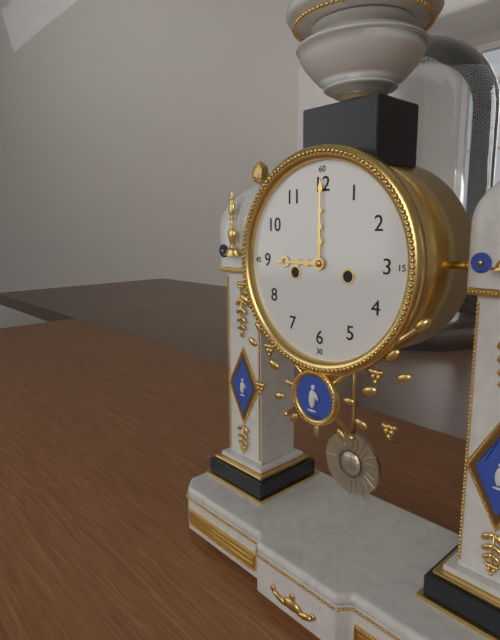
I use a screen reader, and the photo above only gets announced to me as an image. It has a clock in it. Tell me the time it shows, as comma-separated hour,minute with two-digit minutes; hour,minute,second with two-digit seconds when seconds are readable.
9,00
